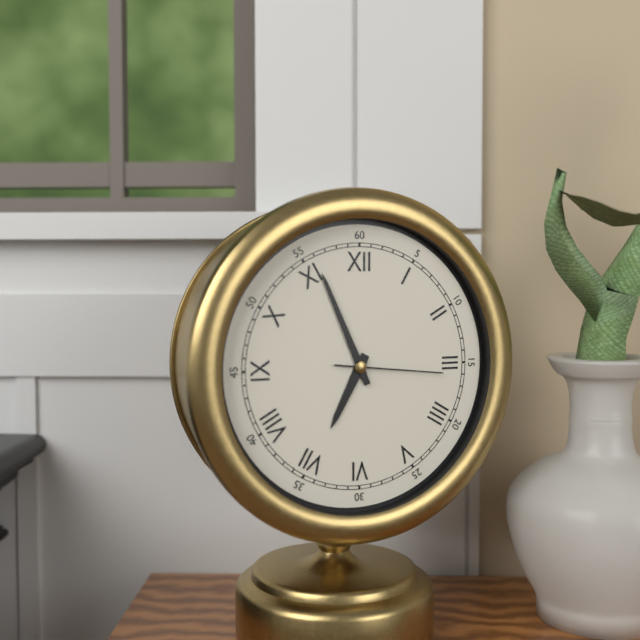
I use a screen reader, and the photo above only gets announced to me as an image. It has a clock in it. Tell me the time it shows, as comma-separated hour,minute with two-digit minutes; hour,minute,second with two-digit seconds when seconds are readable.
6,56,16
